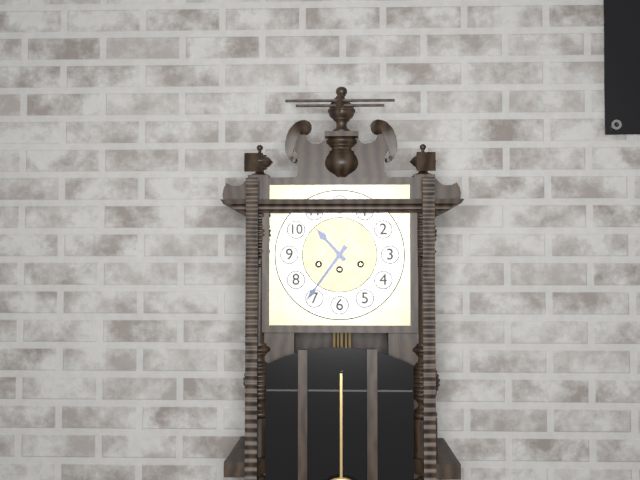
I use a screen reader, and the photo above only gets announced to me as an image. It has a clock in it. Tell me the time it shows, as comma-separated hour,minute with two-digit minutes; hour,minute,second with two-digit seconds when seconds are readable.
10,36
